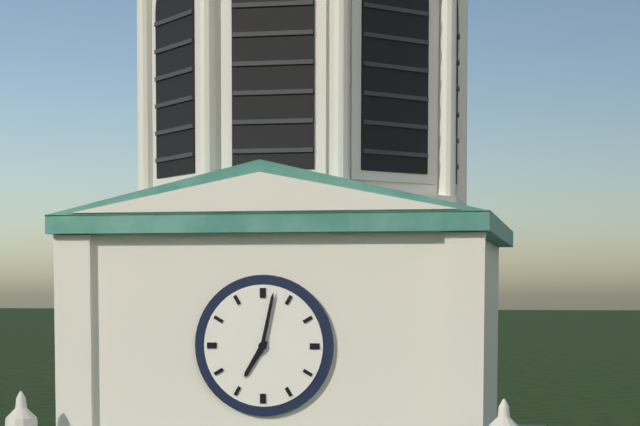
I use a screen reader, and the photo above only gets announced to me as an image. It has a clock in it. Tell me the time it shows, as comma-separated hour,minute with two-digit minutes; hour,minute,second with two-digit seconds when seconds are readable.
7,02
